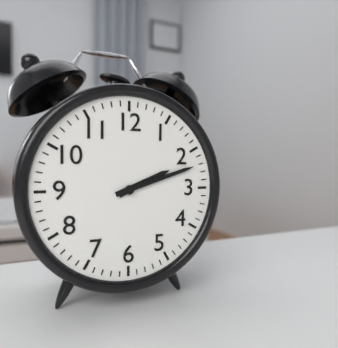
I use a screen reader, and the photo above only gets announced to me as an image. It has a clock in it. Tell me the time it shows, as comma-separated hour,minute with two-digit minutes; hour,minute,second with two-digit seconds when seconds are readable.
2,12
